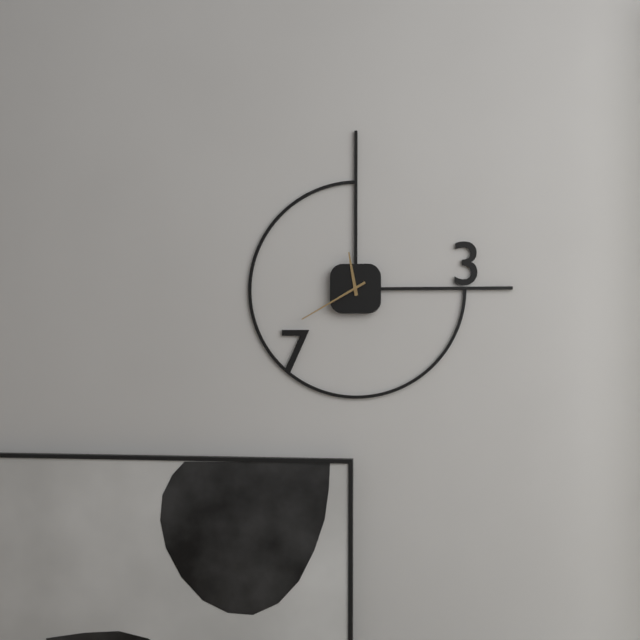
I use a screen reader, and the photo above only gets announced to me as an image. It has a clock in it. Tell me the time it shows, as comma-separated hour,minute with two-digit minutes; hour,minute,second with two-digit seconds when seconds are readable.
11,40
